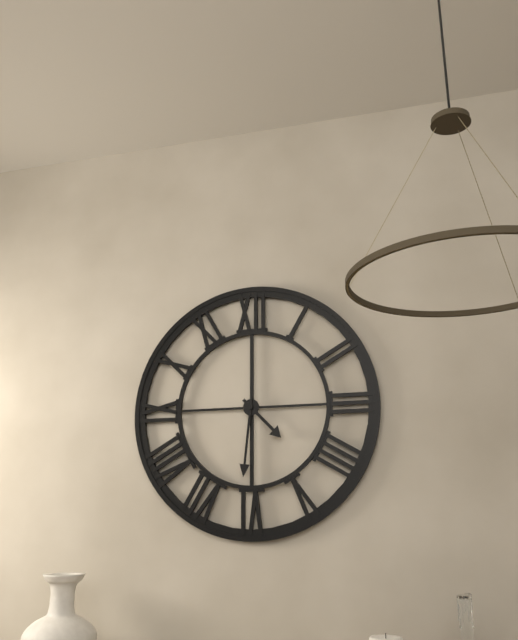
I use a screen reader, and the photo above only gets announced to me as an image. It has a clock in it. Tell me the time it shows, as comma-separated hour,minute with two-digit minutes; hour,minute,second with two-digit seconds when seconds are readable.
4,31
